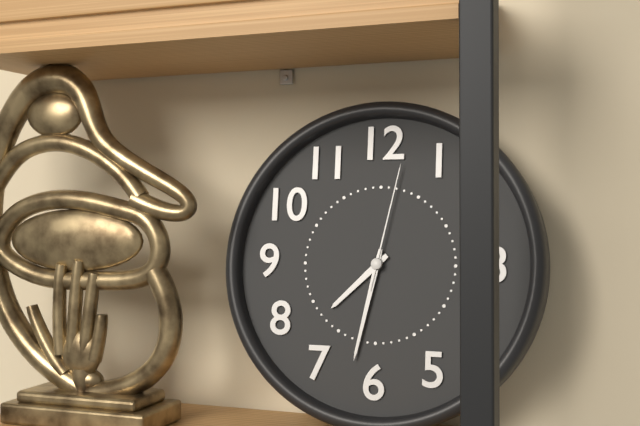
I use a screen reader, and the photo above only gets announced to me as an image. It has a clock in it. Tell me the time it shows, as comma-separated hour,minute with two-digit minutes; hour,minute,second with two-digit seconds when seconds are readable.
7,32,02
